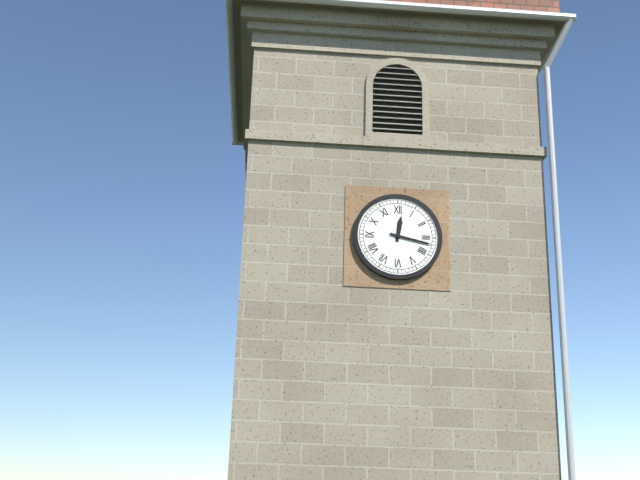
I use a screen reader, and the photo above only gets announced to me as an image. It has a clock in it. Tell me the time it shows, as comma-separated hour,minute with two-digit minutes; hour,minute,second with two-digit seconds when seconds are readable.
12,17
